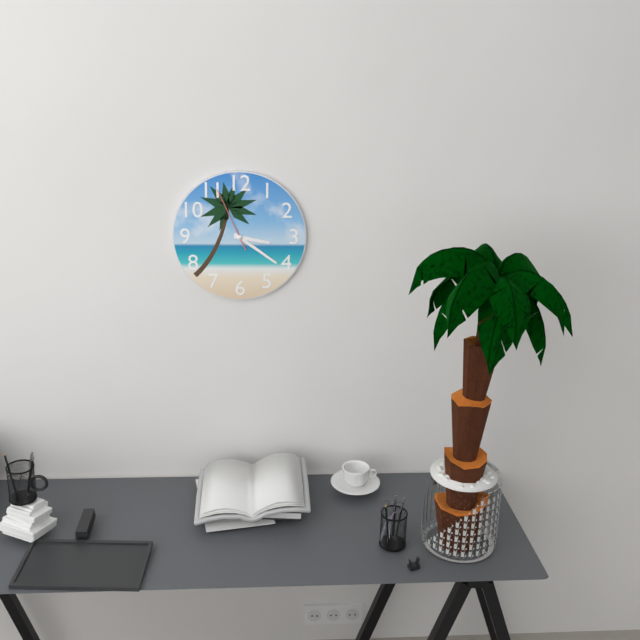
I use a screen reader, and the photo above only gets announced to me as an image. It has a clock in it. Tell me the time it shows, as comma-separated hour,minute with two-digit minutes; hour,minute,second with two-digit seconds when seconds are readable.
3,21,56
